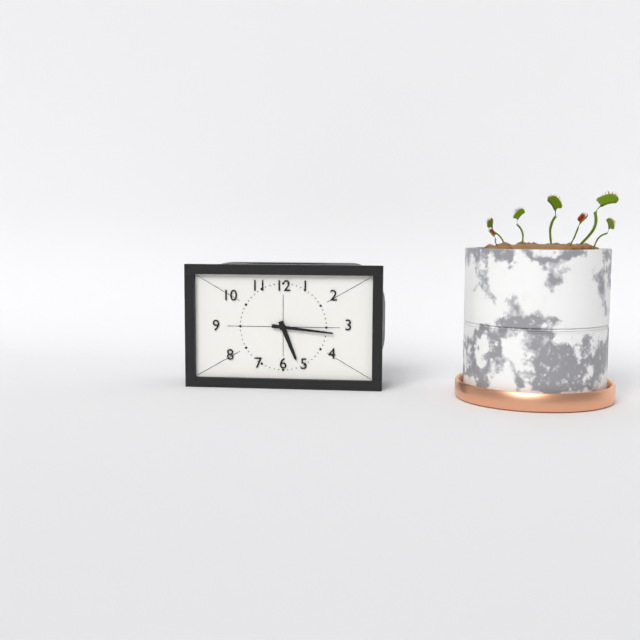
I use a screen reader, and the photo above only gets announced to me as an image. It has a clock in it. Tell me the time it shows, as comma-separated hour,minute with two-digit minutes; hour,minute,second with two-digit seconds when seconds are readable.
5,16
